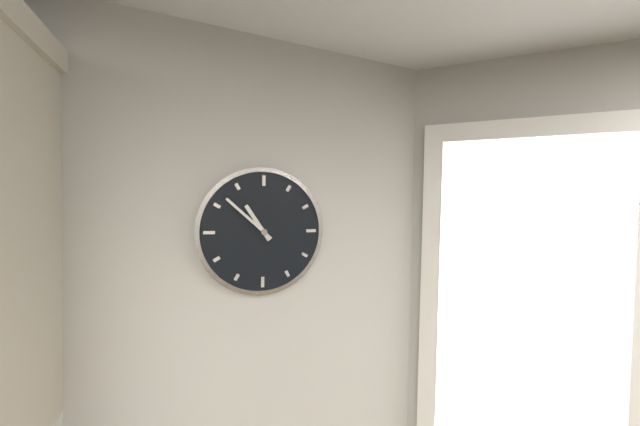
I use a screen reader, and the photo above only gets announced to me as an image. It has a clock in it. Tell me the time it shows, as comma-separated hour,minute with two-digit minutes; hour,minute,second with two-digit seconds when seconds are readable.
10,52
